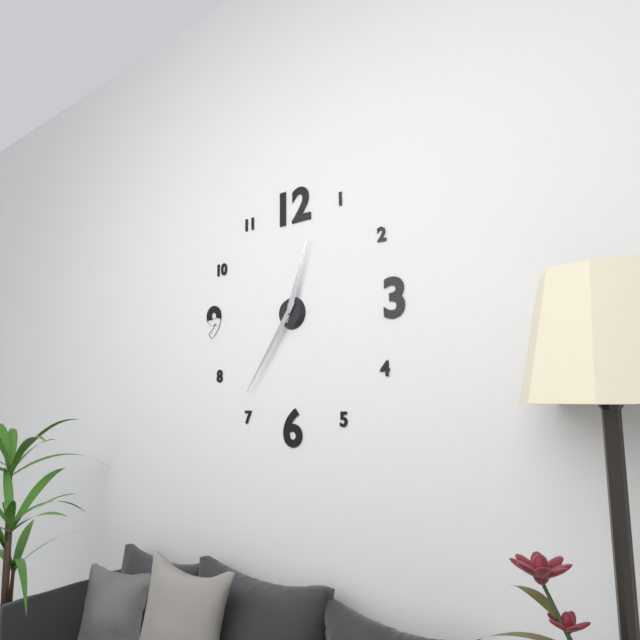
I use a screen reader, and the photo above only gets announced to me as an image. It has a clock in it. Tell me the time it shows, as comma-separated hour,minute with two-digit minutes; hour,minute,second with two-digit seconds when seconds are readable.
12,36
